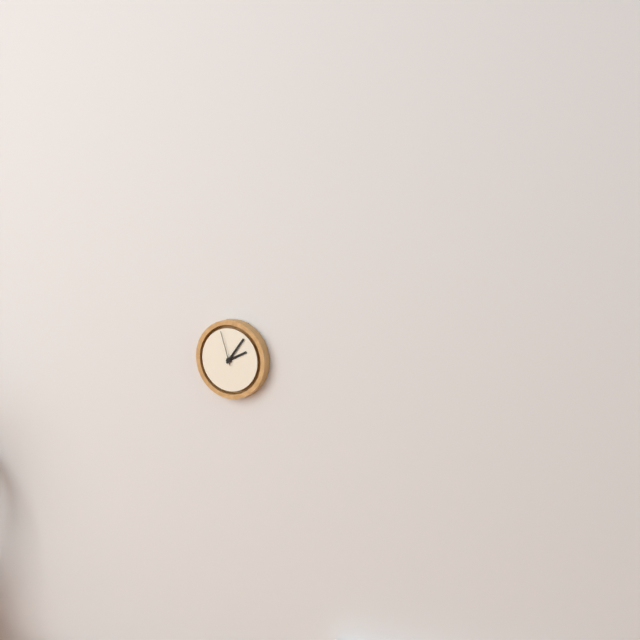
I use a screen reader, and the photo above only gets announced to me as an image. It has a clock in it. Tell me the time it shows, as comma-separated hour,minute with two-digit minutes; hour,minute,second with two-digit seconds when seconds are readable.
2,06
